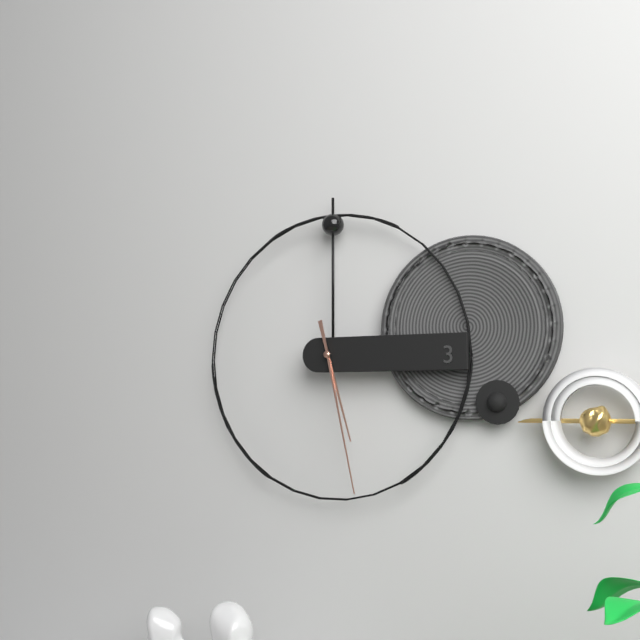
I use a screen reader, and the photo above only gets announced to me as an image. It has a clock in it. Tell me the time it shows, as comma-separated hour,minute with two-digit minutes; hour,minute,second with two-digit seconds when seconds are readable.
5,28
